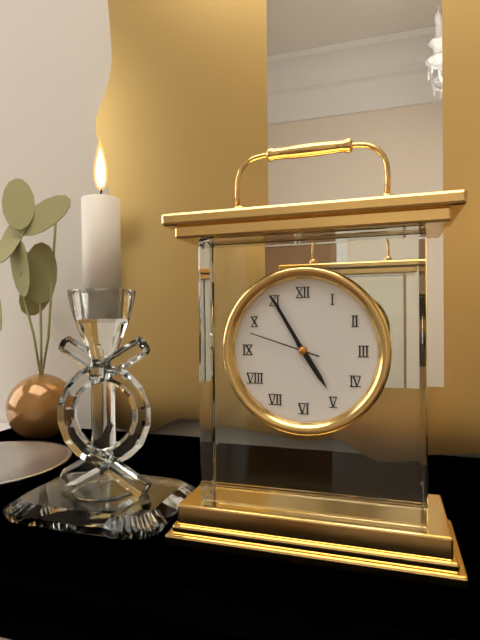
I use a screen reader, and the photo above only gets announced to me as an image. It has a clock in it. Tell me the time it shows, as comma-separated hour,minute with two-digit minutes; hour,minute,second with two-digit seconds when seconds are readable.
4,55,48
